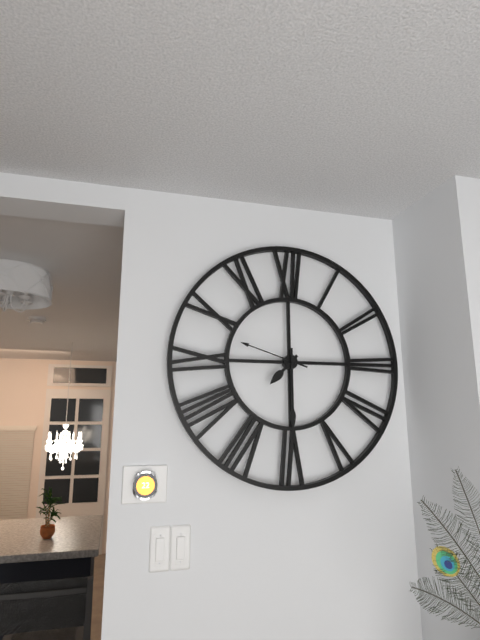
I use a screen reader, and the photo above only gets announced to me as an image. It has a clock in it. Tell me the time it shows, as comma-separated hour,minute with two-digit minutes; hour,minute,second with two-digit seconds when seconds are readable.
7,30,48
